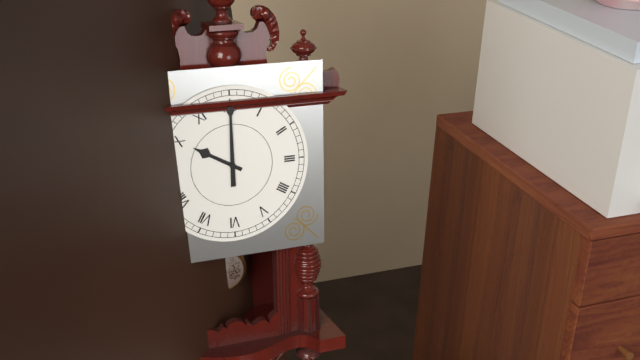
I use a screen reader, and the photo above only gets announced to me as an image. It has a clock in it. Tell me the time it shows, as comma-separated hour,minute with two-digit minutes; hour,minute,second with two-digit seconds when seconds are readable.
10,00
